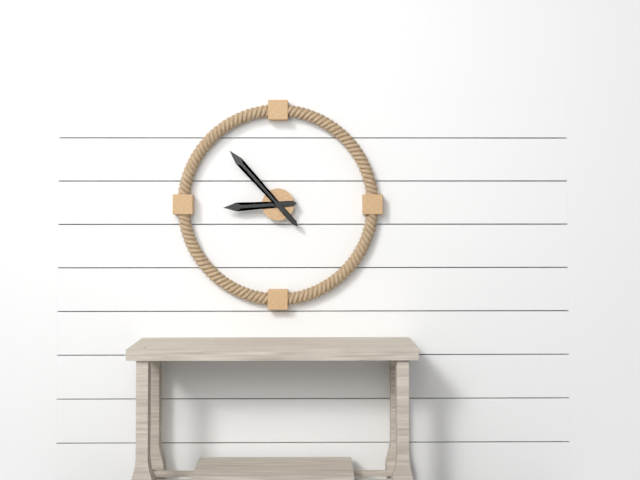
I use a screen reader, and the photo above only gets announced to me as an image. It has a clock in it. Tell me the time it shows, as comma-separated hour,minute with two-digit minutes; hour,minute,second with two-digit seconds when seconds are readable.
8,53
